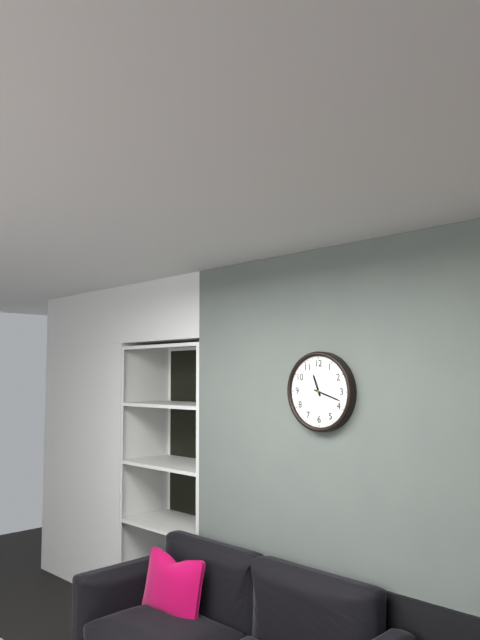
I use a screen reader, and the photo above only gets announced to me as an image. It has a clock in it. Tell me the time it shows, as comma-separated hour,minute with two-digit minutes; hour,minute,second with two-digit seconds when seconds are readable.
11,18
